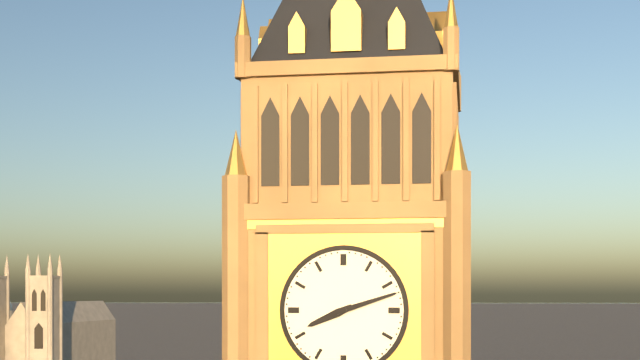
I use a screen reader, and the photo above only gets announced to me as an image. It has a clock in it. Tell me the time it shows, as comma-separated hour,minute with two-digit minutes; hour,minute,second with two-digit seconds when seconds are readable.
8,12
